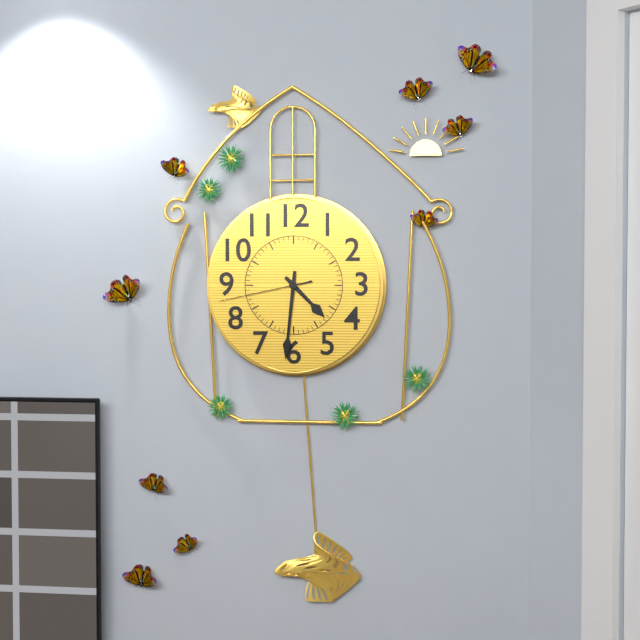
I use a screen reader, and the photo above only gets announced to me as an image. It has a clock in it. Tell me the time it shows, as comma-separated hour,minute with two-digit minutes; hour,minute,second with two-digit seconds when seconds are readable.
4,31,43
